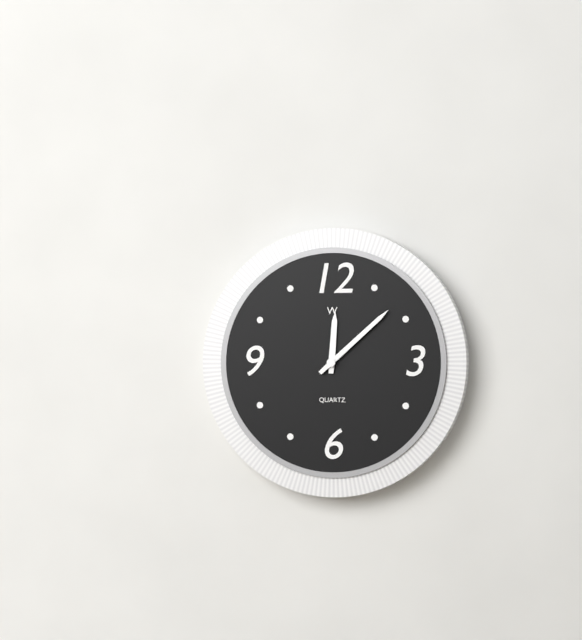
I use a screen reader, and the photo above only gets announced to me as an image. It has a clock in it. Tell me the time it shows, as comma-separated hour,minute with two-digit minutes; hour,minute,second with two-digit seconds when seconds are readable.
12,08
